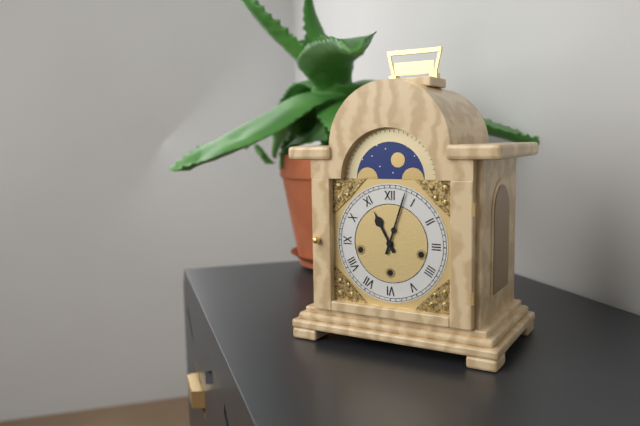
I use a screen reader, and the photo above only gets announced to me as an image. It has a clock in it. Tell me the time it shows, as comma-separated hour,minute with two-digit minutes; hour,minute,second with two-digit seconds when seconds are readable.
11,03
